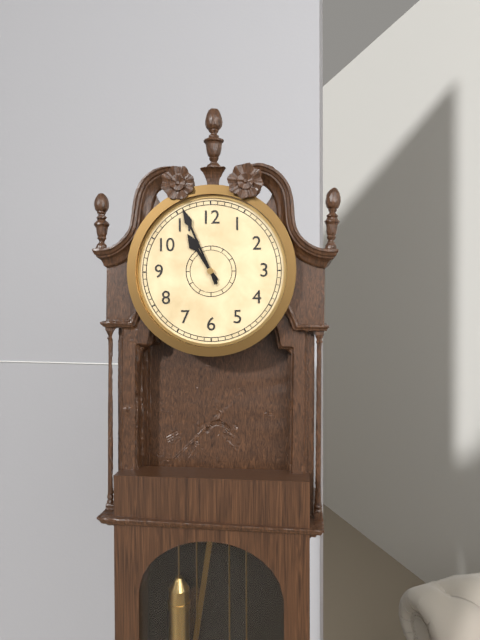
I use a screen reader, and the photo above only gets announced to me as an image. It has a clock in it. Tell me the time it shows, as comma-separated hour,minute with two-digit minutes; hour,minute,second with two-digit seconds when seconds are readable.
10,56
